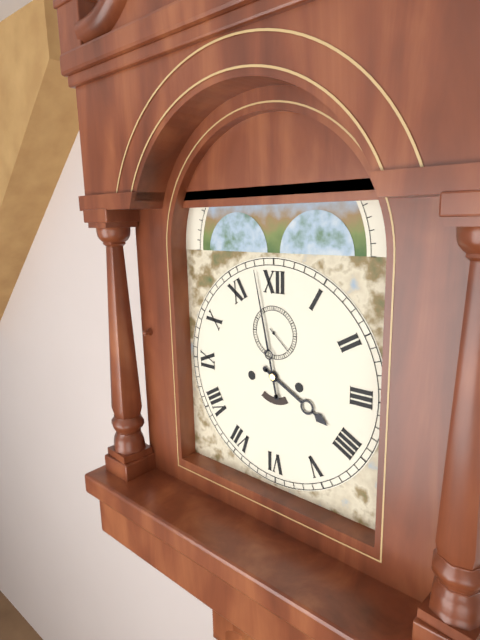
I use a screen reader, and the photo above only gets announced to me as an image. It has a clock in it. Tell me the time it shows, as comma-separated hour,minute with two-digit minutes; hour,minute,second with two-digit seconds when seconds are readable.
3,58
